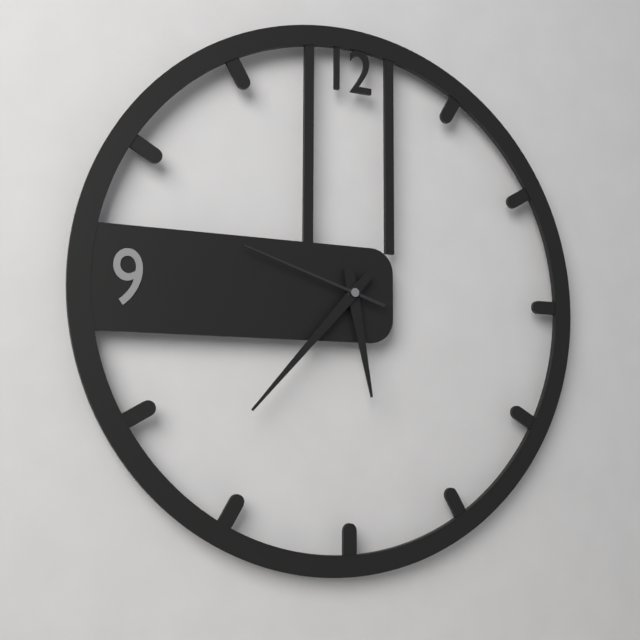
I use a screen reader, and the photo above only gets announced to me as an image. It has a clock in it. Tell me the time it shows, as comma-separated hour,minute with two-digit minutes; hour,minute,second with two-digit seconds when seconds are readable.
5,37,48
